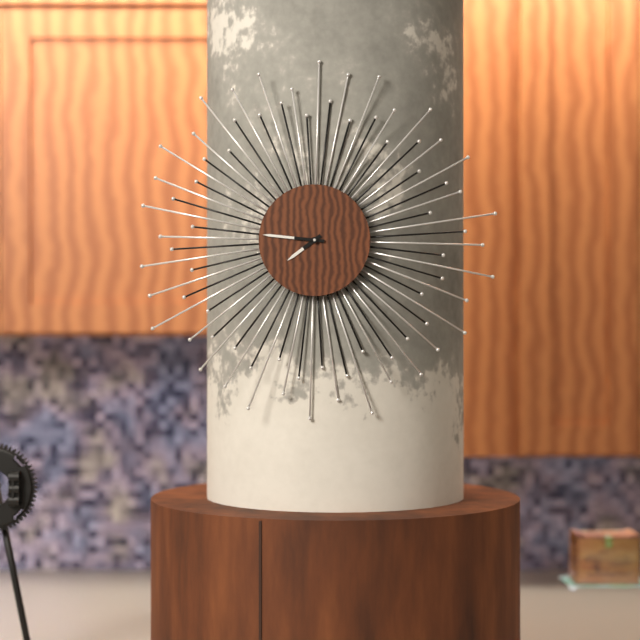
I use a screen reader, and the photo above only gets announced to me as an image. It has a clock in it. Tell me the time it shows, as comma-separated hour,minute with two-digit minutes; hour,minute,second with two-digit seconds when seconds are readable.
7,46
